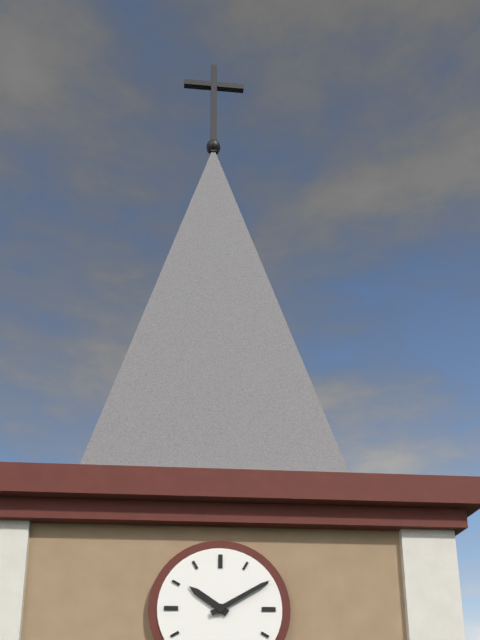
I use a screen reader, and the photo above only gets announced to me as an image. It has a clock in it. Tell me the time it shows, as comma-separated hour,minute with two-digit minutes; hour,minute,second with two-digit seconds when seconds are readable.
10,10
